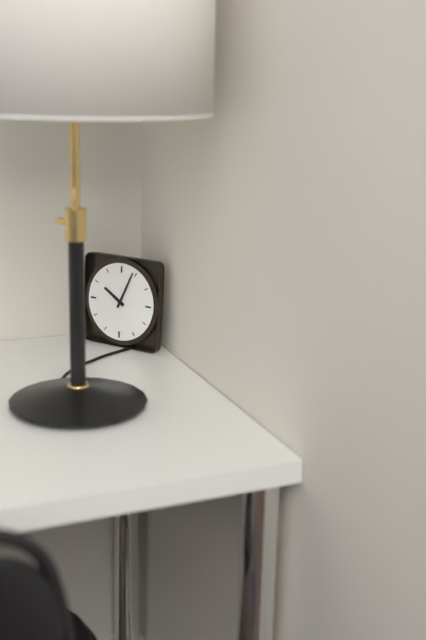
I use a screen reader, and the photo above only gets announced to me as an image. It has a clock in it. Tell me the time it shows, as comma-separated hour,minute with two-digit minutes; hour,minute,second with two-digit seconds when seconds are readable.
10,04
